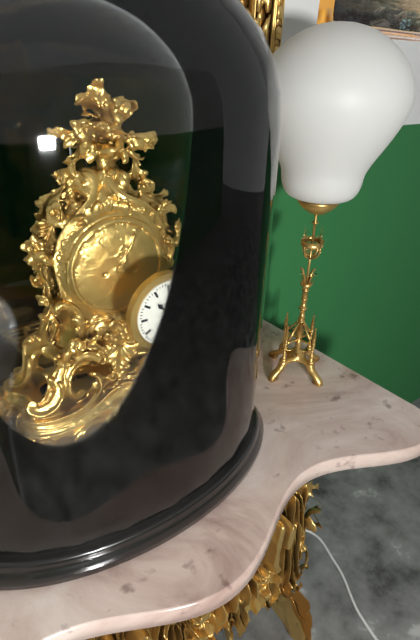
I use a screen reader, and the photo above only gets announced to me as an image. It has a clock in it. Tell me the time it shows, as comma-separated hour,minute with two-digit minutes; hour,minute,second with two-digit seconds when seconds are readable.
10,35
